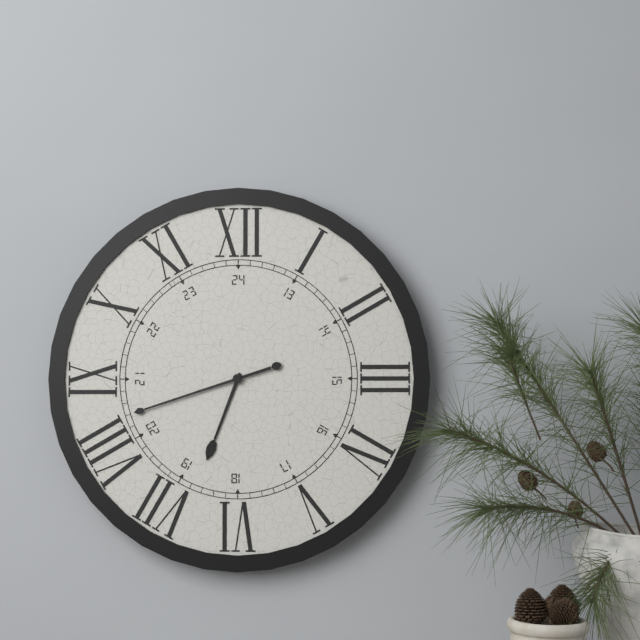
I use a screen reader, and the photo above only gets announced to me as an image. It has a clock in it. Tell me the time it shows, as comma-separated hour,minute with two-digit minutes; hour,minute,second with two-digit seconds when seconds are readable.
6,42
